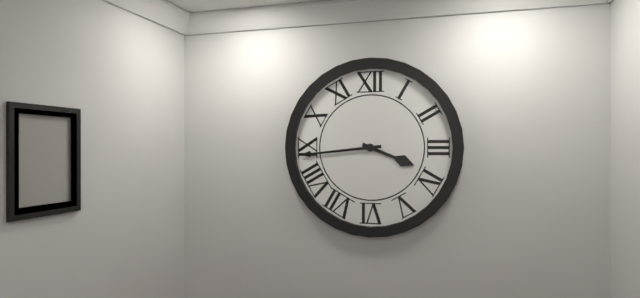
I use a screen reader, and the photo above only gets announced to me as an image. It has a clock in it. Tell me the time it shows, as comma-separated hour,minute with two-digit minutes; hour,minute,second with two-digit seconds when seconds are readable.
3,44
